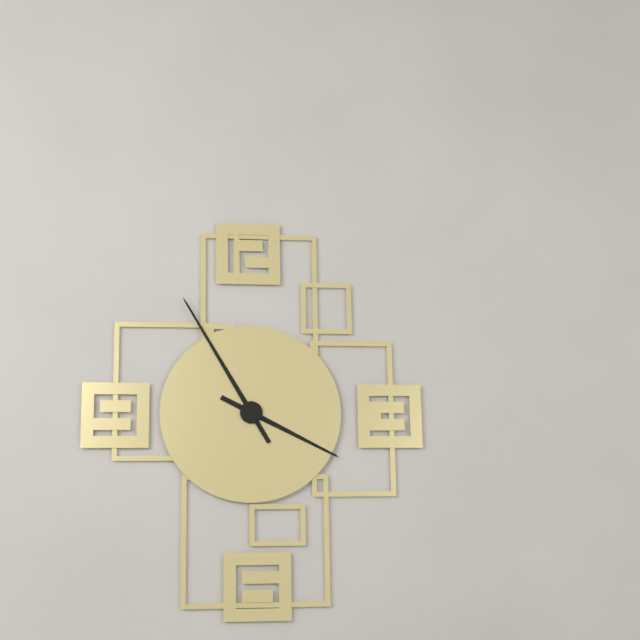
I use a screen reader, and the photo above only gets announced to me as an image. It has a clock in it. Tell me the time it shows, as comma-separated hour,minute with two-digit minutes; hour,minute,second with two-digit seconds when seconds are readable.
3,55
